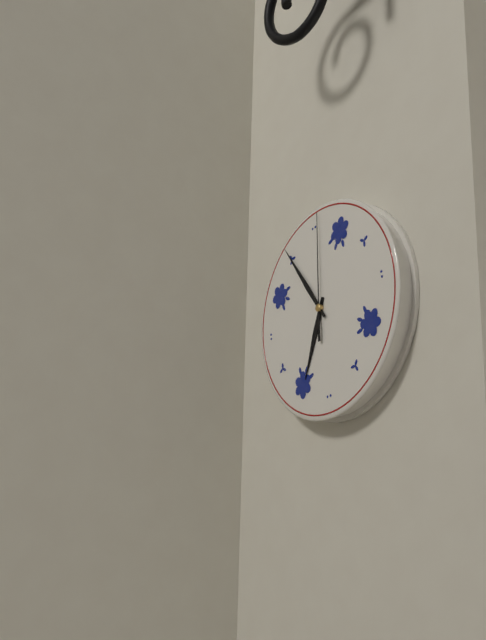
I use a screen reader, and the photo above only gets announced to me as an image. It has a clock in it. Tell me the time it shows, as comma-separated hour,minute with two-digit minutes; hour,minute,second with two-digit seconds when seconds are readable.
6,55,01
